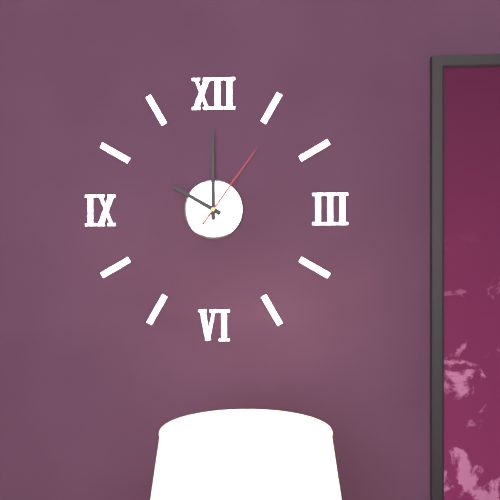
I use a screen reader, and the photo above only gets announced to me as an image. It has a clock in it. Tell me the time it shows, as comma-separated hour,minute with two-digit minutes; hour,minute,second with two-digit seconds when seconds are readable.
10,00,06
